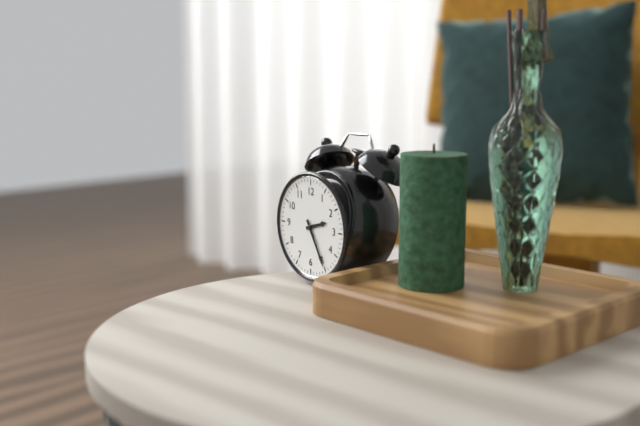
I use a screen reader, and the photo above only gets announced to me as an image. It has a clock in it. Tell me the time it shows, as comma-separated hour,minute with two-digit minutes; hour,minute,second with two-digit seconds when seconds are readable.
2,25
